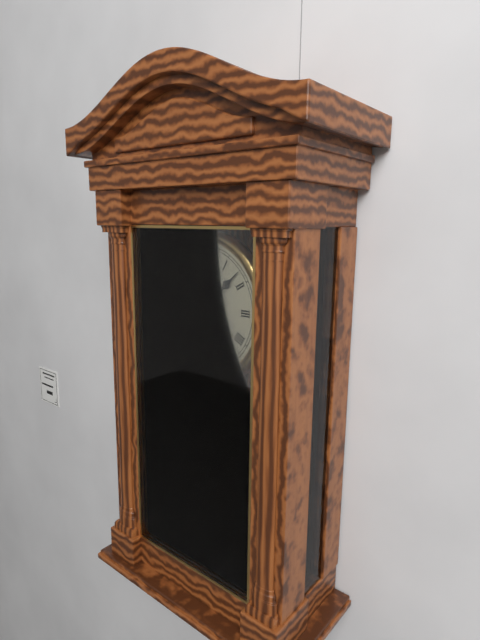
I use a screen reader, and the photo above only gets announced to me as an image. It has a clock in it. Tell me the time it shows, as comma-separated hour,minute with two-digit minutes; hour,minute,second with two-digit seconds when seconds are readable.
12,08
